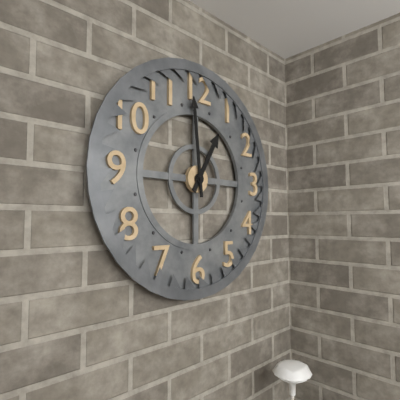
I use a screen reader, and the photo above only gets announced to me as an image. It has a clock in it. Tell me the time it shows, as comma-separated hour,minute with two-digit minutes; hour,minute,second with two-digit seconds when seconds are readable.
12,59
